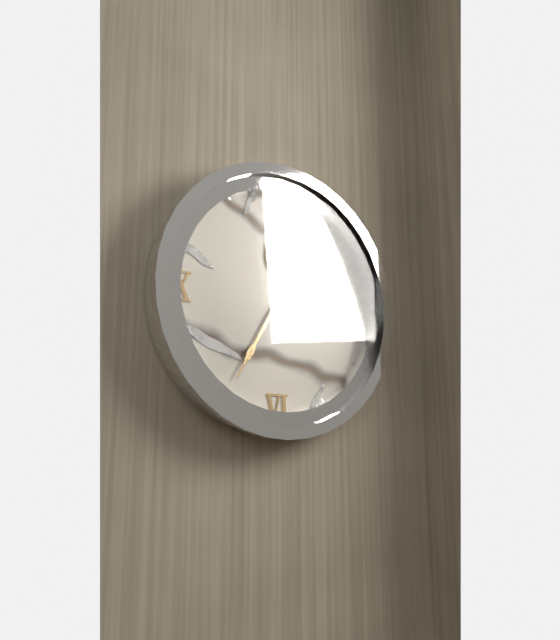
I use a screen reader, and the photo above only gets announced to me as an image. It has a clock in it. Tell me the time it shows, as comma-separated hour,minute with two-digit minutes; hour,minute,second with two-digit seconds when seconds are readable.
11,35
